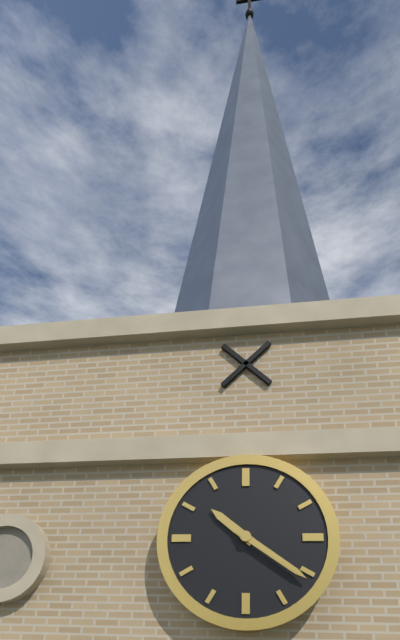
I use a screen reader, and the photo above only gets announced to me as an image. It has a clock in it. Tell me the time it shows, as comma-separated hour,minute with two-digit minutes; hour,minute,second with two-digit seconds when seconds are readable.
10,21
